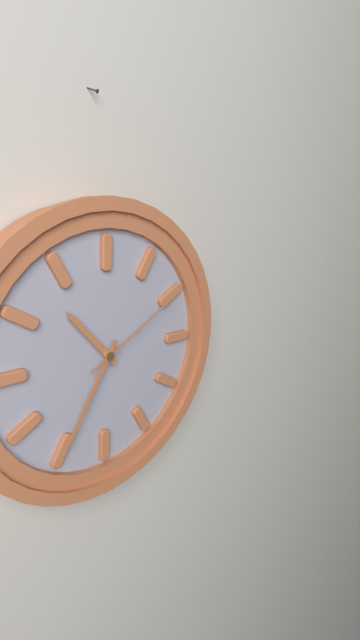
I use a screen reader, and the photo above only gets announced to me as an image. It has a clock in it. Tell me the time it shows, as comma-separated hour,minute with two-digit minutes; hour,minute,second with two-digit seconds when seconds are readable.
10,35,10
